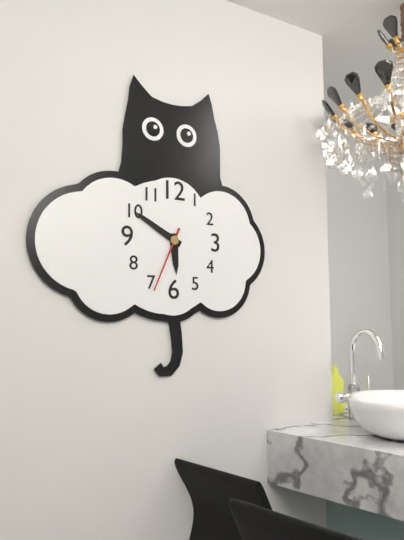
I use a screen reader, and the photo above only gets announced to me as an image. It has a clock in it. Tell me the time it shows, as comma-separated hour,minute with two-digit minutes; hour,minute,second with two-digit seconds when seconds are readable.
5,50,34
